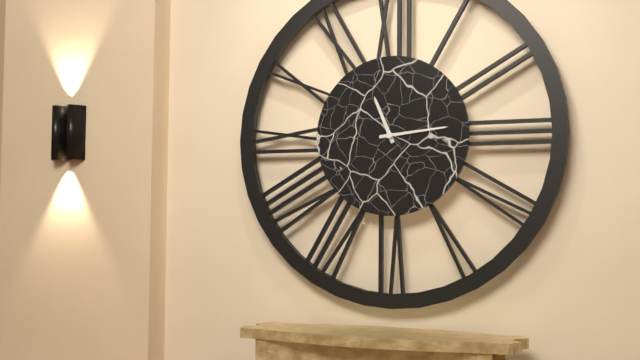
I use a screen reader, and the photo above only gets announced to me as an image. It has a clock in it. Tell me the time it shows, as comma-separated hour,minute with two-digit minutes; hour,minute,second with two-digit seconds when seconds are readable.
11,14
